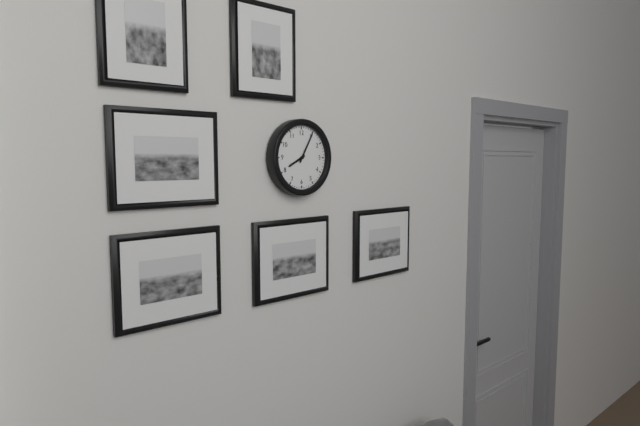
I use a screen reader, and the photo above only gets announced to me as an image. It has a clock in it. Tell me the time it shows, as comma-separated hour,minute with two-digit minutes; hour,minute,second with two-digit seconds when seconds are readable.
8,05
